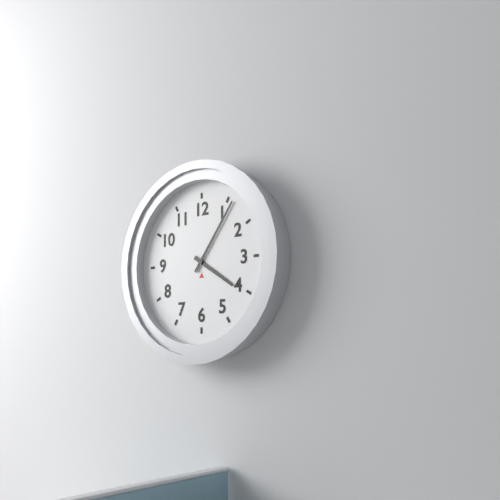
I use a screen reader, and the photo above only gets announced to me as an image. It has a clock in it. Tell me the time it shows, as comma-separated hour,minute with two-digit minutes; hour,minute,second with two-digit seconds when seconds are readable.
4,06
